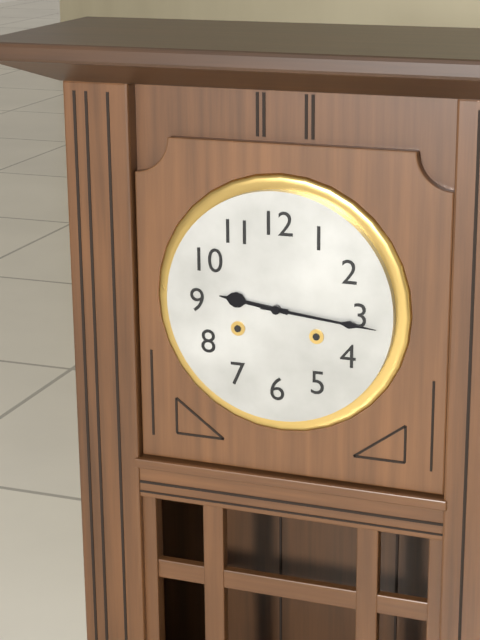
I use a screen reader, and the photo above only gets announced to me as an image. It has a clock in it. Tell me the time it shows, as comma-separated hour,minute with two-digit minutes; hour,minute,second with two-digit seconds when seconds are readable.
9,16
